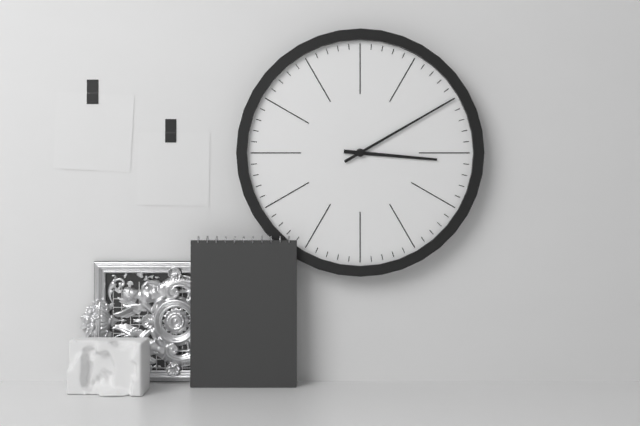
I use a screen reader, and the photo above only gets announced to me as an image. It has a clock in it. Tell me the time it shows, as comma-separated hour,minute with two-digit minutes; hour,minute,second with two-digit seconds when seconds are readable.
3,10
